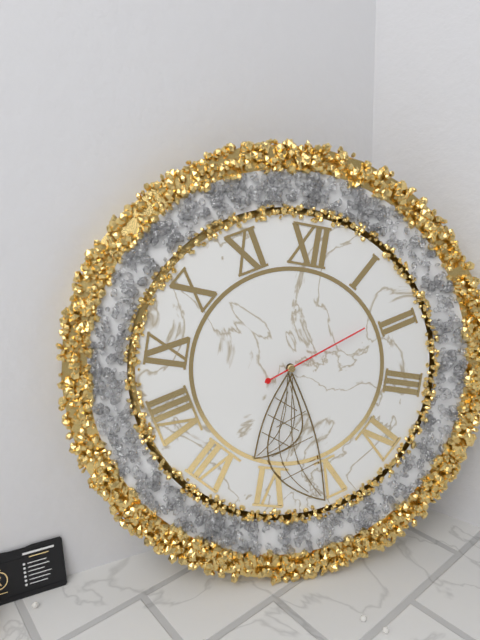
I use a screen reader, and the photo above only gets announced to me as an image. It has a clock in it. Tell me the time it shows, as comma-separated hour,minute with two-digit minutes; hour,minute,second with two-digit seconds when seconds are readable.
6,26,09
